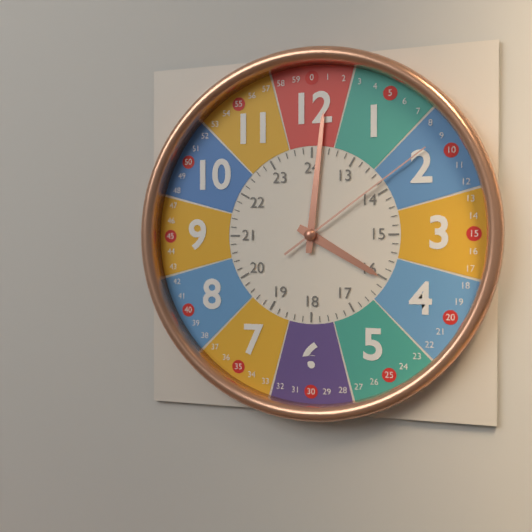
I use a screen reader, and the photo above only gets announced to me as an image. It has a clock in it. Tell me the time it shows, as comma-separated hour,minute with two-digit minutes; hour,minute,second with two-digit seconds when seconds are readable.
4,01,09
